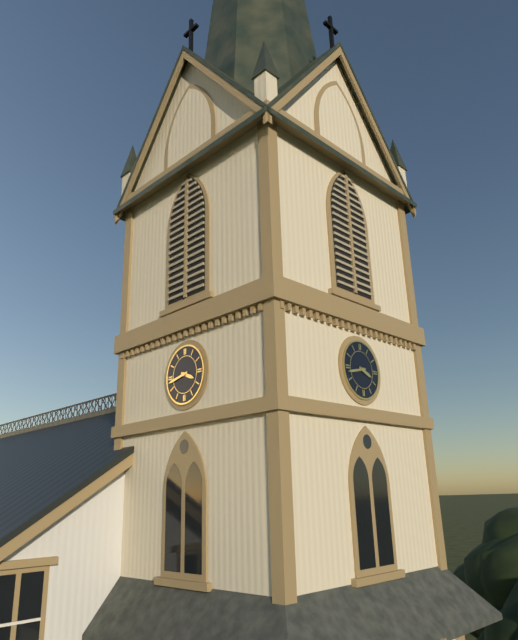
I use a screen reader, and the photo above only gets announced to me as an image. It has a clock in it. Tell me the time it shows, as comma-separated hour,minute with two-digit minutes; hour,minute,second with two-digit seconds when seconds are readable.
3,43
